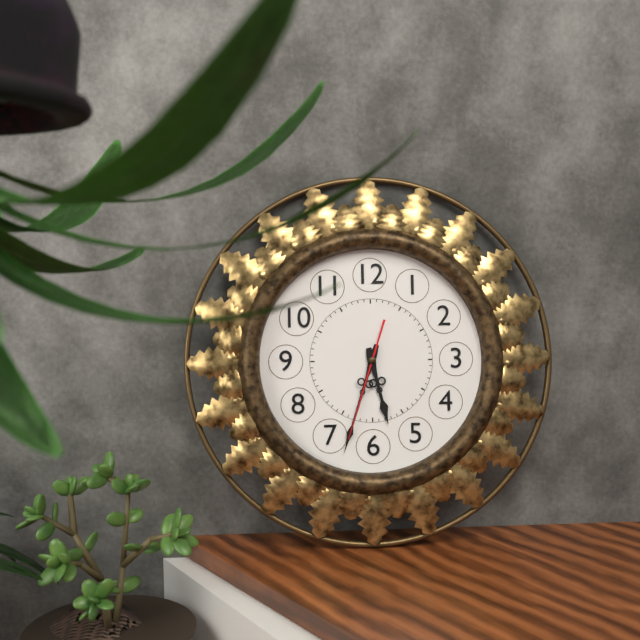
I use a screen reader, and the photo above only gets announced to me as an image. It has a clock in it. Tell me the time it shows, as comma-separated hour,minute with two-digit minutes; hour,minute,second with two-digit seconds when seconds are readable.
5,33,33
